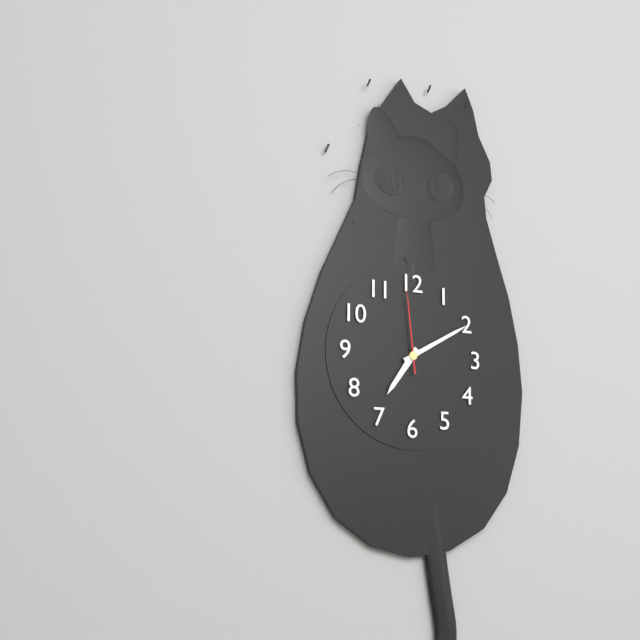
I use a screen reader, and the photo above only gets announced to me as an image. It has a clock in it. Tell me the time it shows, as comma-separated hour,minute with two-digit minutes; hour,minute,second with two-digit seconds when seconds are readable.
7,10,59
